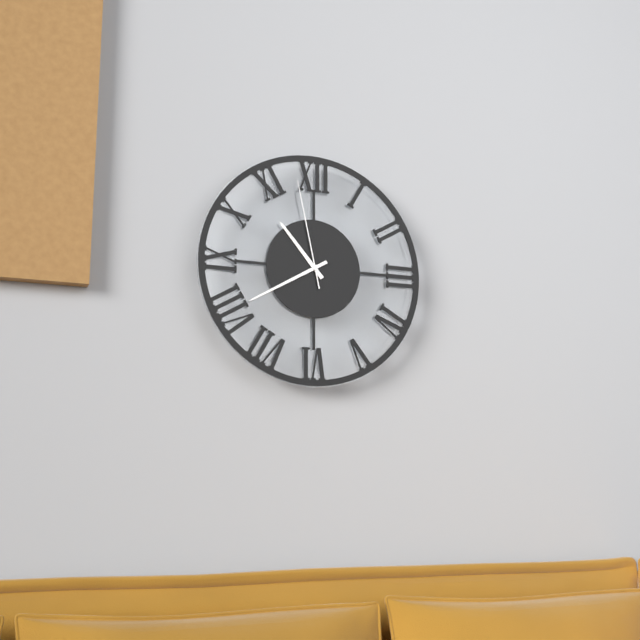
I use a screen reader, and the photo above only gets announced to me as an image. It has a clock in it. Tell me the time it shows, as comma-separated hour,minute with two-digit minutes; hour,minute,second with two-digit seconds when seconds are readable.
10,40,58
